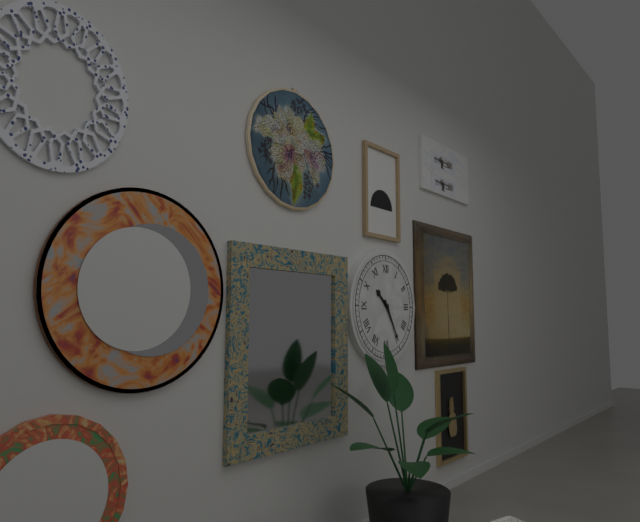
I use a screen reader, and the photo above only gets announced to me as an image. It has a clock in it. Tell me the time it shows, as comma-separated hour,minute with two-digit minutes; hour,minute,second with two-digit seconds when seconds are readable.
10,25
